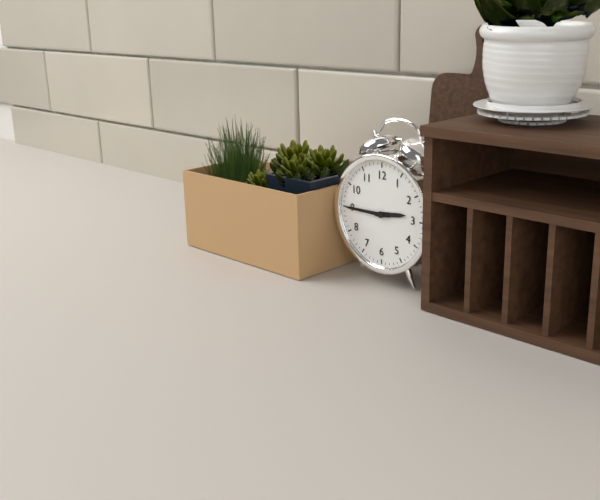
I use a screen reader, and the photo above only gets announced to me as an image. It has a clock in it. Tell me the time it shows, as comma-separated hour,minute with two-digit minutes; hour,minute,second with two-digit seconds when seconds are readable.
2,45
